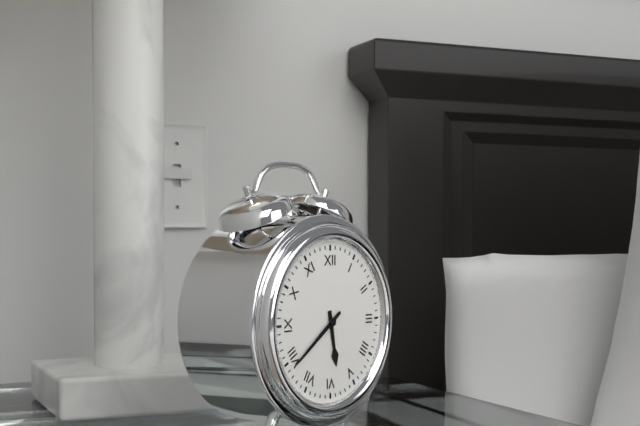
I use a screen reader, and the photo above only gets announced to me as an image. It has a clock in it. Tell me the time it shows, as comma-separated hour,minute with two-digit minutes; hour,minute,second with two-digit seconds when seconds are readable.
5,39
